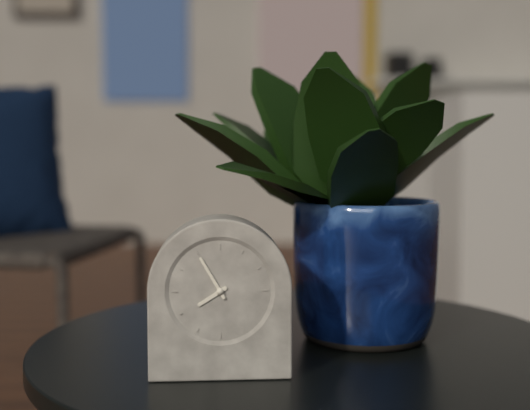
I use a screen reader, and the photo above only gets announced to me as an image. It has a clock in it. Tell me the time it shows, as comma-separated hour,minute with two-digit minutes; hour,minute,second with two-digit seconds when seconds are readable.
7,55
